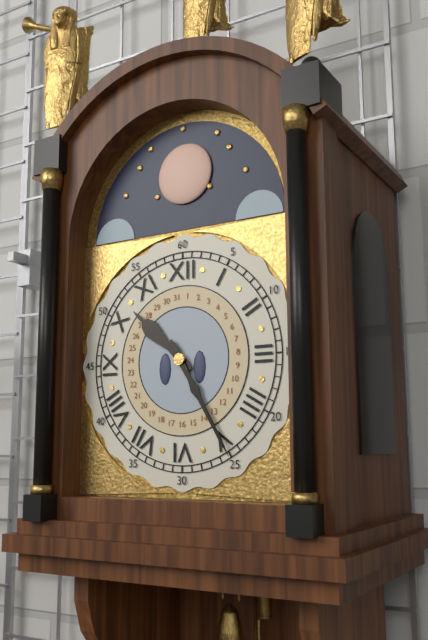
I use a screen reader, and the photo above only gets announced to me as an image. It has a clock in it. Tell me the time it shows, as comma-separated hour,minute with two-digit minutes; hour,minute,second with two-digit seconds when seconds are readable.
10,25
